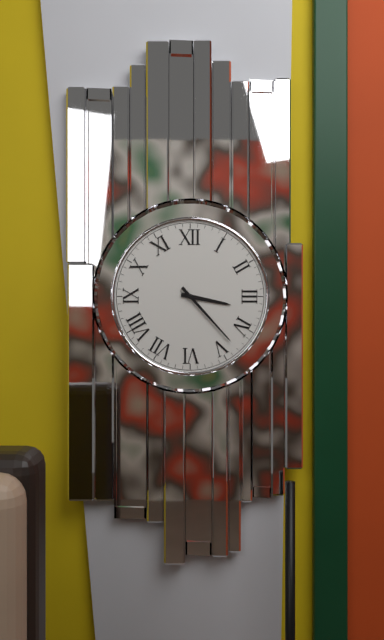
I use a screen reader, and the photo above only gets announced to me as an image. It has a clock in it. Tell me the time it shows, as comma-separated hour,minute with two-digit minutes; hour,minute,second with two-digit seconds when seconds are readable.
3,23
